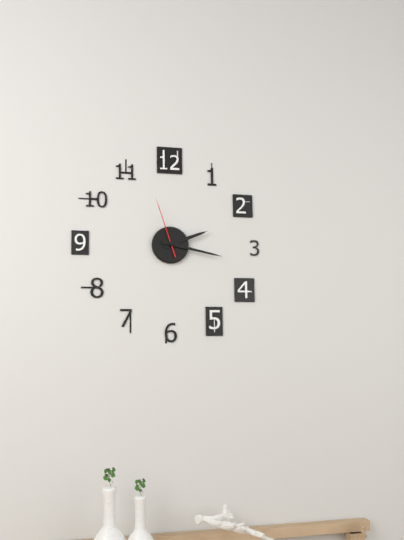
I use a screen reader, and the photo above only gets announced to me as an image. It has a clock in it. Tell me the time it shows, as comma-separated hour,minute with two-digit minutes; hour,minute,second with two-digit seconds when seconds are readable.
2,17,57
